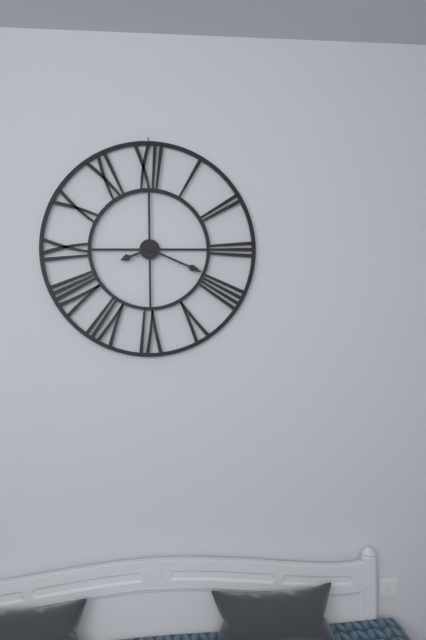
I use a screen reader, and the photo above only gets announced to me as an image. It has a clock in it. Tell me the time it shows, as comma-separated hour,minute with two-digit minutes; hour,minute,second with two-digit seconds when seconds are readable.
8,19
